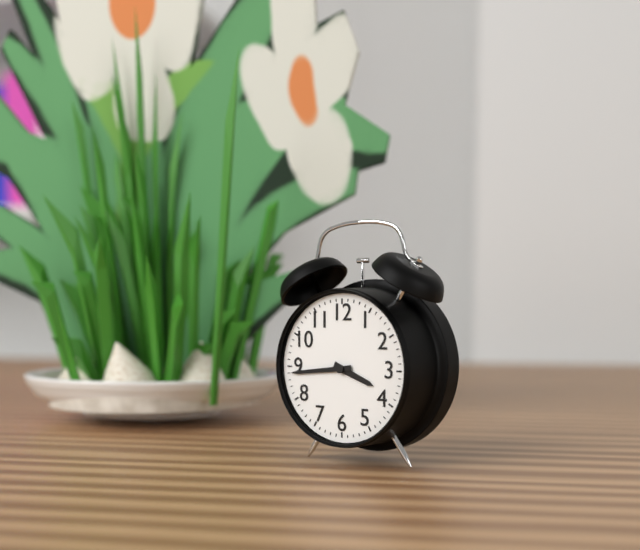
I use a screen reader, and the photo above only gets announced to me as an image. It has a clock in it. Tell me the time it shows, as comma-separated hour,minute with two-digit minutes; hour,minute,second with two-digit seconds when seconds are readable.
3,44
